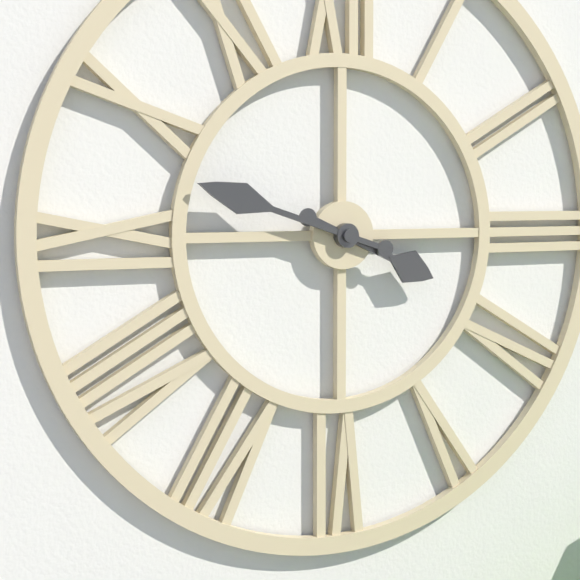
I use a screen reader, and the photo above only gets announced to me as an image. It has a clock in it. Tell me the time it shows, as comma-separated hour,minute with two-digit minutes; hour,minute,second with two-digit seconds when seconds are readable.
3,48
